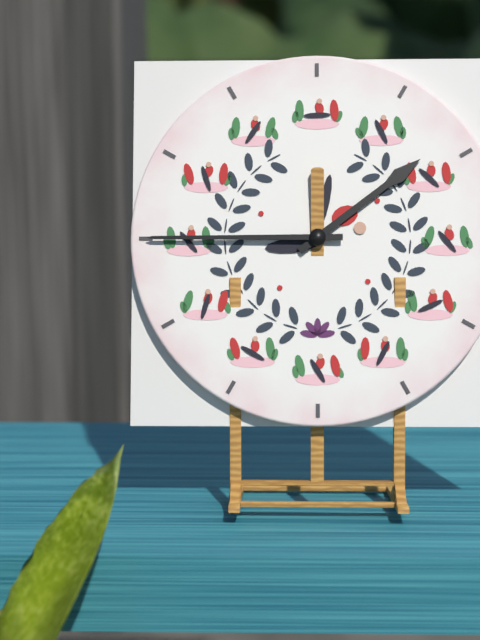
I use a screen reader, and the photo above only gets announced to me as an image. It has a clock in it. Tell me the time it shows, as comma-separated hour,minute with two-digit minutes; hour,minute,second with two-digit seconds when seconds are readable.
1,45
